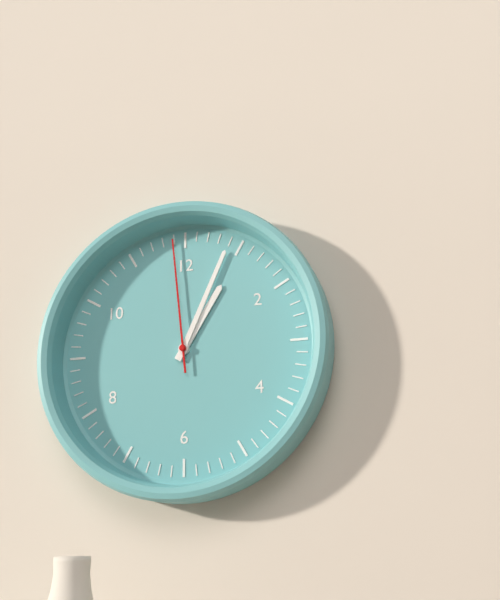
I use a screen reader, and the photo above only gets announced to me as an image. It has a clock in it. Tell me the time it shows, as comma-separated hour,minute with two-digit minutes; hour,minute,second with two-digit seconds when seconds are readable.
1,04,59
